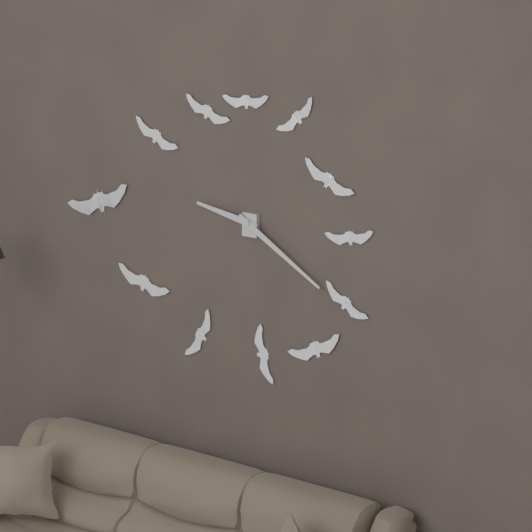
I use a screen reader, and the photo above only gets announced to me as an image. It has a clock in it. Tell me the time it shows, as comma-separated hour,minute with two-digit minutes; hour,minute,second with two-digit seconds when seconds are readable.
9,20
